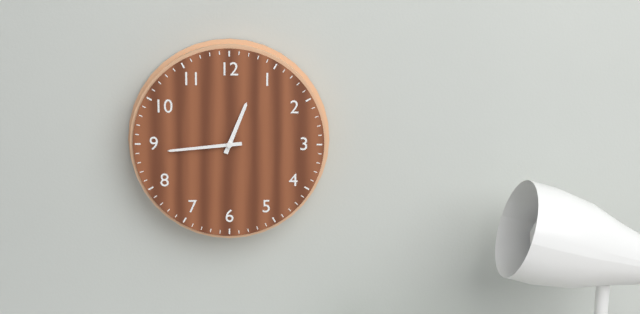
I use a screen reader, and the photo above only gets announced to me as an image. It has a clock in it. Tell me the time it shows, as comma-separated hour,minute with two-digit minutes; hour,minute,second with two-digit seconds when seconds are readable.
12,44
